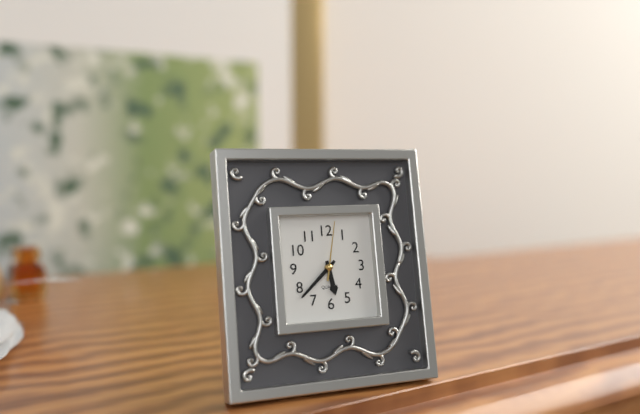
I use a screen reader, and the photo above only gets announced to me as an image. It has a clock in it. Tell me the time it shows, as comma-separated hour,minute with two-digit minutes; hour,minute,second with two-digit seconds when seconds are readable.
5,38,02
